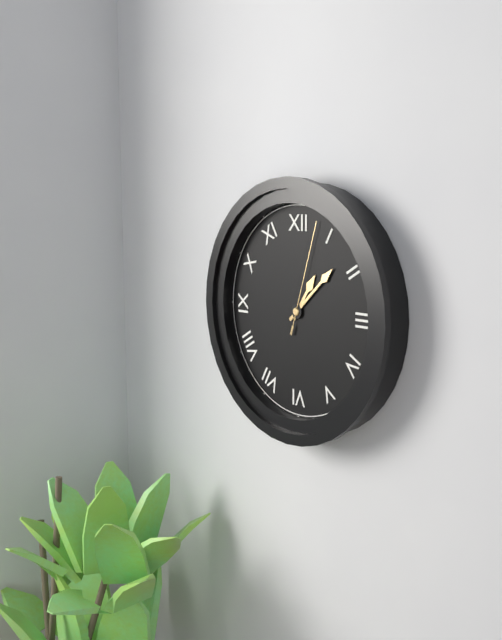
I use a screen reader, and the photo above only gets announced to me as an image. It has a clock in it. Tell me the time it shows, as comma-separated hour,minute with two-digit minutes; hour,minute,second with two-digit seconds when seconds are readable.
1,08,03
